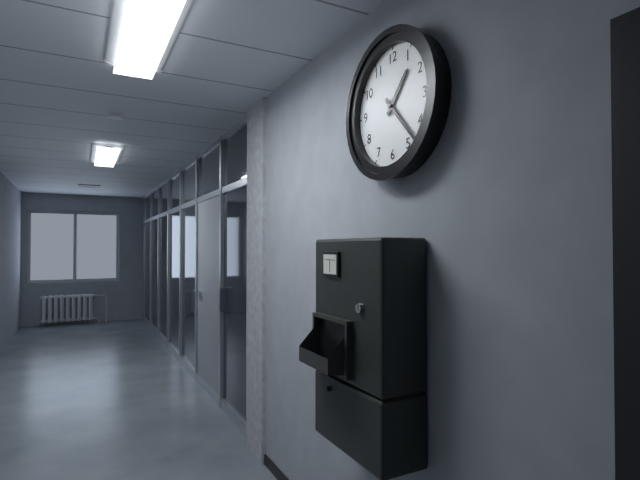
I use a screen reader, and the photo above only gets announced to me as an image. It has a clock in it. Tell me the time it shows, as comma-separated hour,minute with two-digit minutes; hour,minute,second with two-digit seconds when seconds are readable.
1,23
